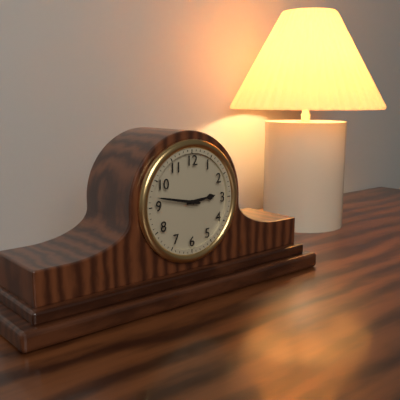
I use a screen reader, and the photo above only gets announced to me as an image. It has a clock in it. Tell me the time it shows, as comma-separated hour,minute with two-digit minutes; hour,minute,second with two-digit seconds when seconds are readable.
2,47
